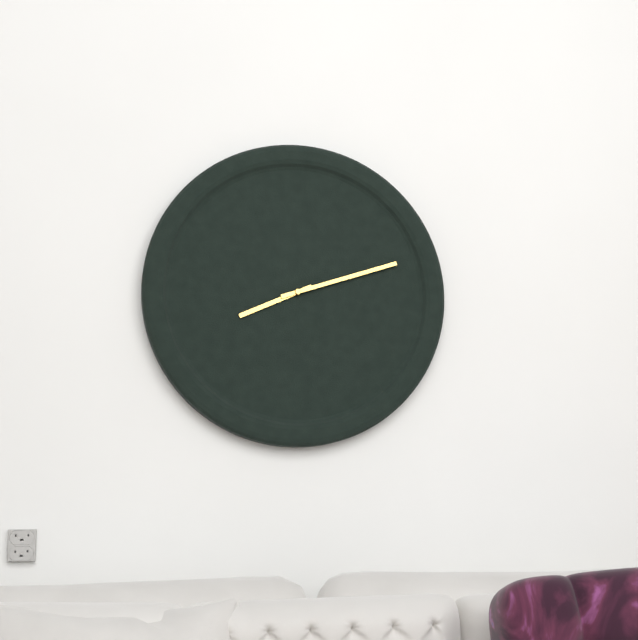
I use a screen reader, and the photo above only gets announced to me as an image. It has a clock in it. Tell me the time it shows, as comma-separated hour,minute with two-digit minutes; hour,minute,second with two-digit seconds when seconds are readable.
8,12
